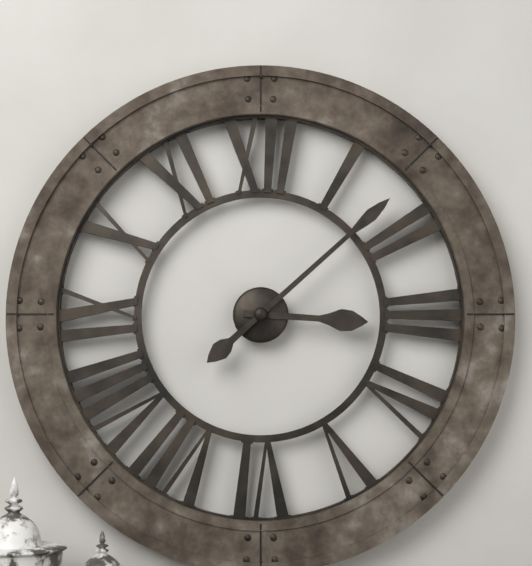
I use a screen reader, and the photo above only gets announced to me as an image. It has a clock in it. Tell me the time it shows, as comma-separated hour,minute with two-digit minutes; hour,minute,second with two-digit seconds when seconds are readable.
3,08
